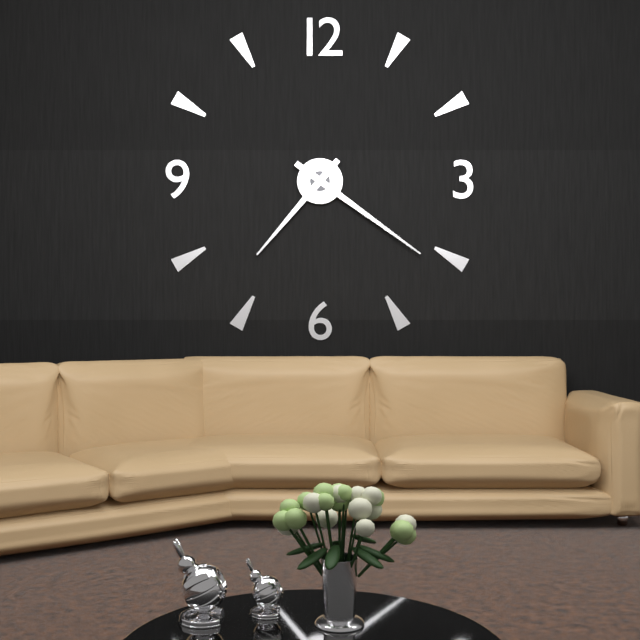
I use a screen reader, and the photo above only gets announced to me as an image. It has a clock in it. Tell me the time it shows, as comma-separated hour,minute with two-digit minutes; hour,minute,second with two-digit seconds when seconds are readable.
7,21
